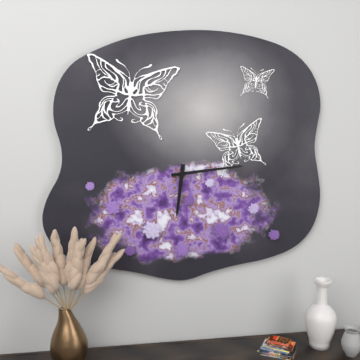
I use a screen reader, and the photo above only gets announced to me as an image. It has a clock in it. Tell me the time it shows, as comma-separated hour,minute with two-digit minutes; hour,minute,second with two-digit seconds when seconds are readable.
6,14
